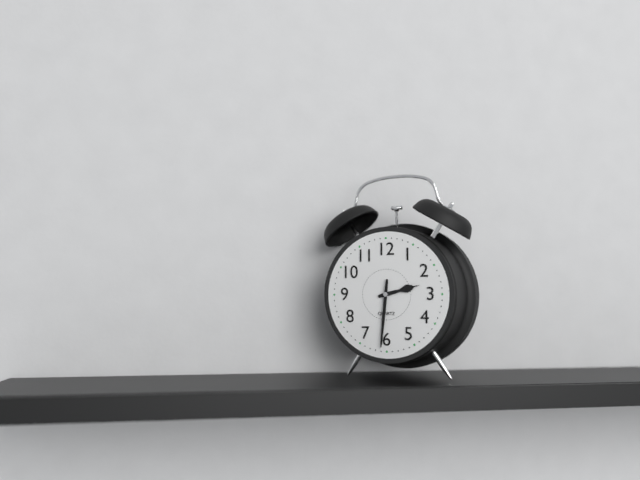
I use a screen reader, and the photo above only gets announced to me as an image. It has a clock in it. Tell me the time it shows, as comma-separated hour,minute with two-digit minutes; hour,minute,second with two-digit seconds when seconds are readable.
2,31
